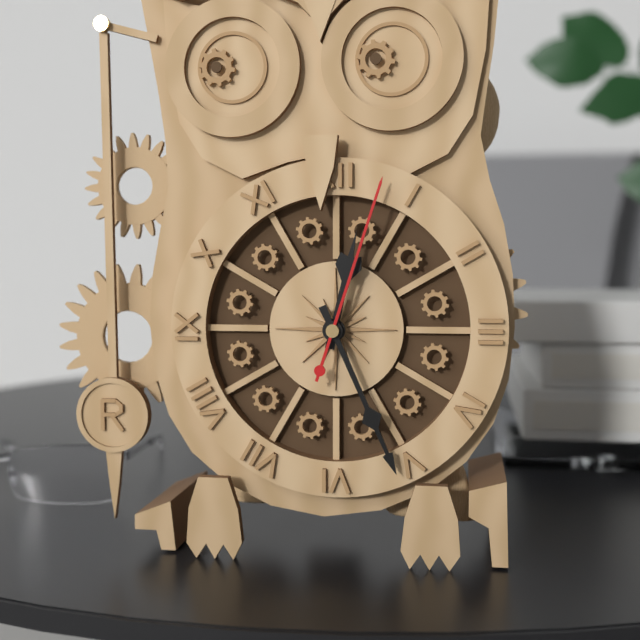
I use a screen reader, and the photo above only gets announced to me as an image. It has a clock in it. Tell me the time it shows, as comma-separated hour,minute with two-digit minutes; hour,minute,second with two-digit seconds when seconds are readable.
12,26,03
